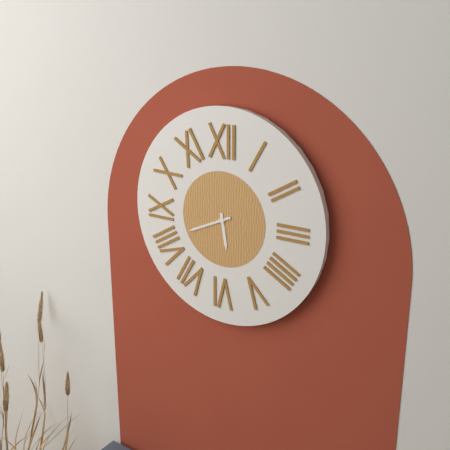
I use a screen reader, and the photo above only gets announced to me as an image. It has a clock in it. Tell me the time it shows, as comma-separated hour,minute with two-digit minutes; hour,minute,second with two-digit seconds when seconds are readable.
5,41
